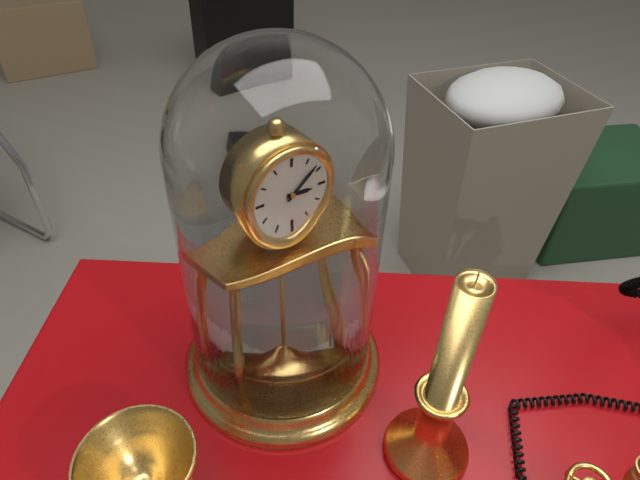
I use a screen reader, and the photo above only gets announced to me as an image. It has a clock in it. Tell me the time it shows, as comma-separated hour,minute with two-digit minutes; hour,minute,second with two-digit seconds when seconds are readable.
3,08
